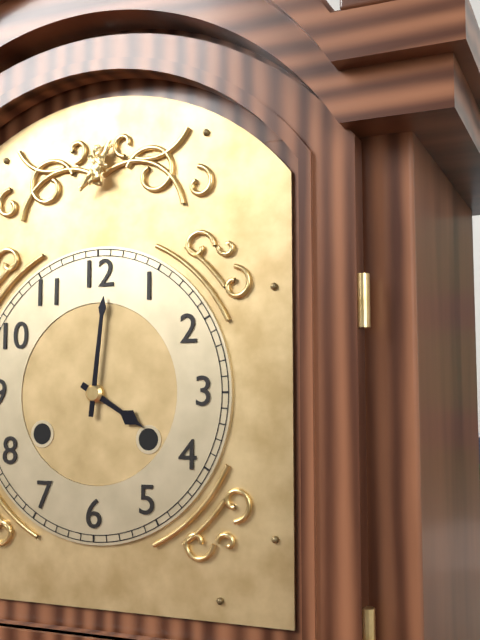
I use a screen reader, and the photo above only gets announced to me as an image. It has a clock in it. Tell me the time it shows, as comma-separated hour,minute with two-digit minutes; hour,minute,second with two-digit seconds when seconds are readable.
4,01
